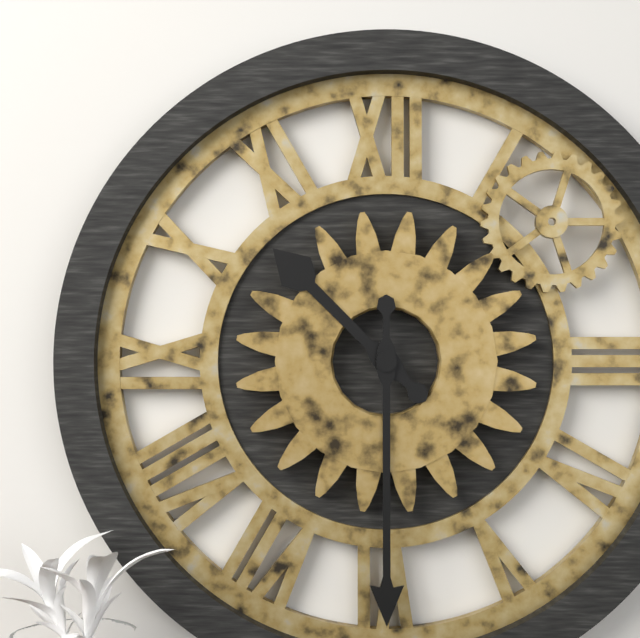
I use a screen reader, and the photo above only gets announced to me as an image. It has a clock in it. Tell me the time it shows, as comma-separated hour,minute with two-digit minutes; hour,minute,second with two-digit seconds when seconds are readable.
10,30
